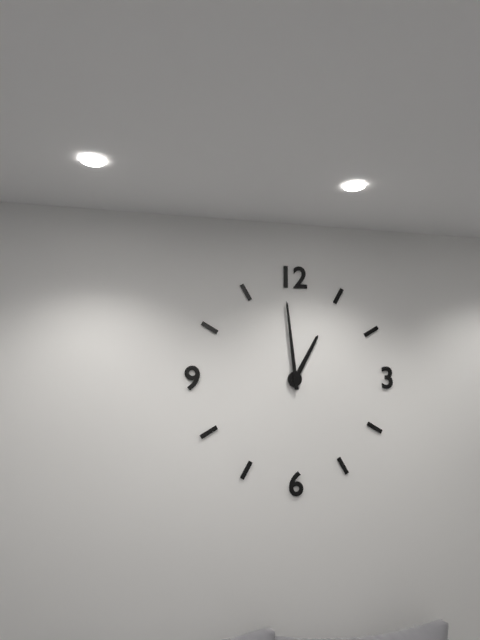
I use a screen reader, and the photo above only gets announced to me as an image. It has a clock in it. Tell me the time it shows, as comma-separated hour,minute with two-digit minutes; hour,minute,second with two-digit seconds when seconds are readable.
12,59
